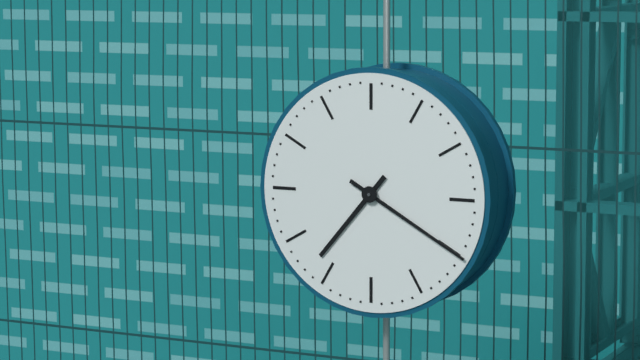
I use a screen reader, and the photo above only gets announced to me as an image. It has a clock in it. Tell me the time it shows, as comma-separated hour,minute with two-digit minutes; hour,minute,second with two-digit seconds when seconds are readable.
7,20
